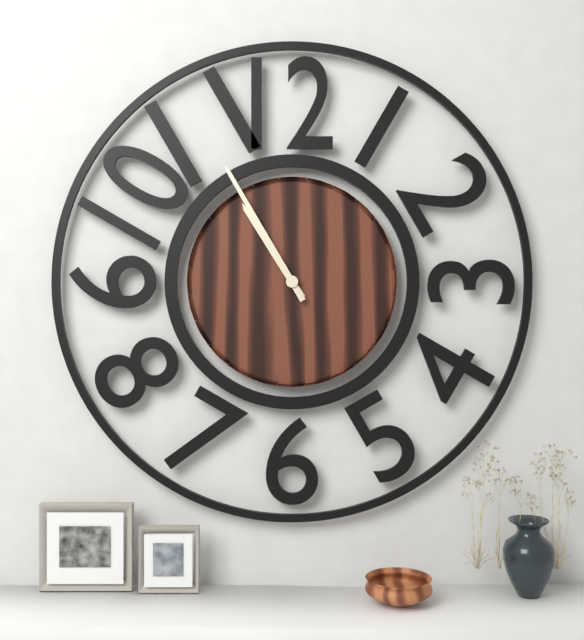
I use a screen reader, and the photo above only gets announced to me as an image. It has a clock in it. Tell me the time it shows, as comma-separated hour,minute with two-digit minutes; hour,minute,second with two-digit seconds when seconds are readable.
10,55
